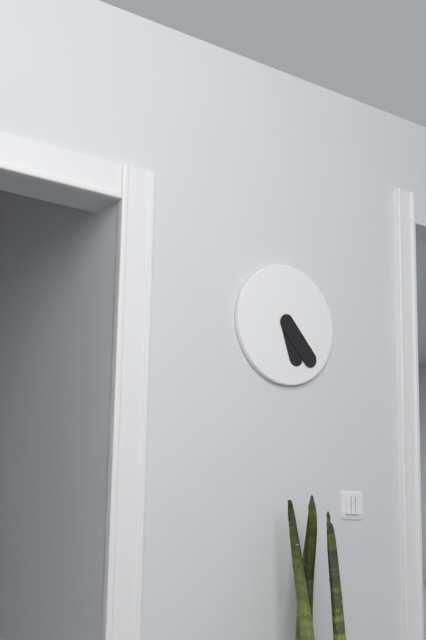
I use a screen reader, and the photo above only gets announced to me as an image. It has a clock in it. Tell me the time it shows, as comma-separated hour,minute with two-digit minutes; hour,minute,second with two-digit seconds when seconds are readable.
5,23
